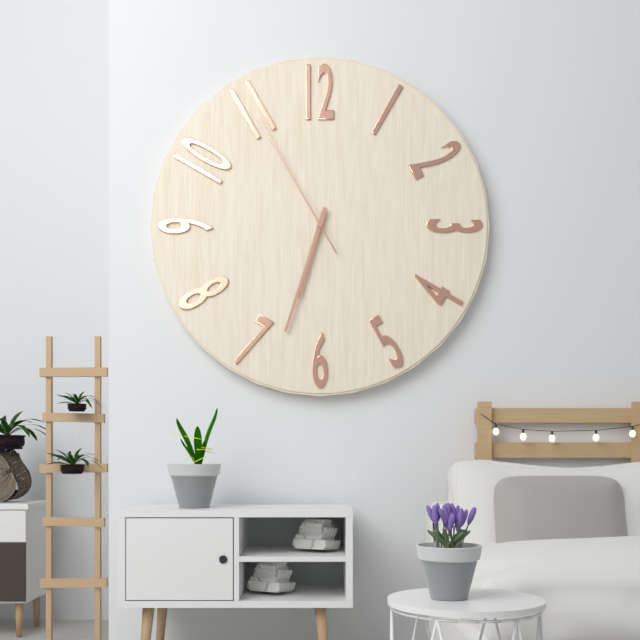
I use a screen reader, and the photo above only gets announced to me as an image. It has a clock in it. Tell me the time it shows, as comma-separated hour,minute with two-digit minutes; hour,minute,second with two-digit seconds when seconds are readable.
6,33,55
